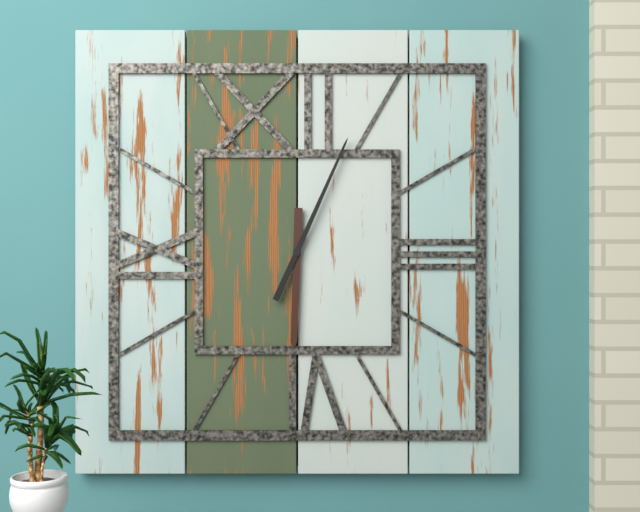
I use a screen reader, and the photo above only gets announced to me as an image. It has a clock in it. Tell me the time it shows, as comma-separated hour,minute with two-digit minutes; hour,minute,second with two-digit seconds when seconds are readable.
6,04
